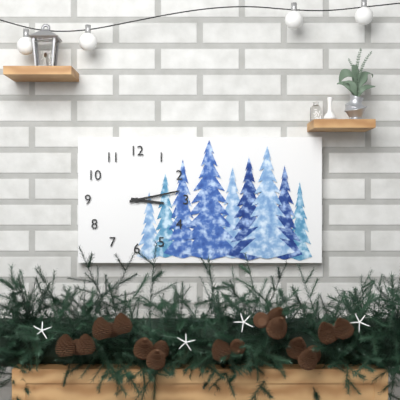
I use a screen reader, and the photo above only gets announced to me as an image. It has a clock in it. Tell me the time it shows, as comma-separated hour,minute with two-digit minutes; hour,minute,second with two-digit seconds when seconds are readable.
3,13
